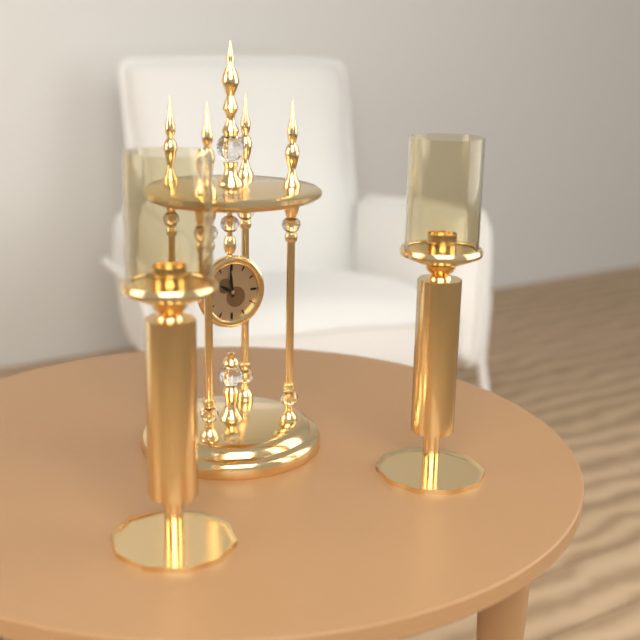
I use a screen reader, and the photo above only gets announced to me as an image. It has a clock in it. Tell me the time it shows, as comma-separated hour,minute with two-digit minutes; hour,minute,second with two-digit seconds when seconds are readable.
9,59
